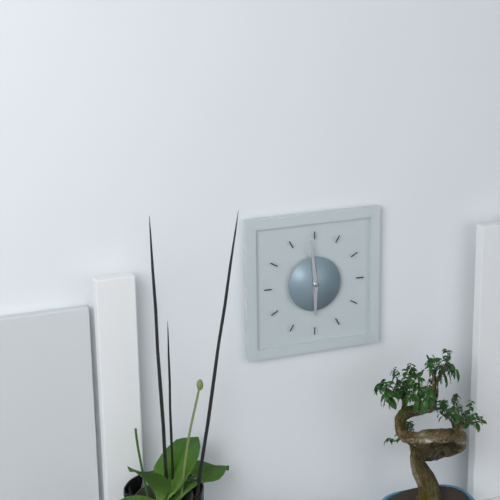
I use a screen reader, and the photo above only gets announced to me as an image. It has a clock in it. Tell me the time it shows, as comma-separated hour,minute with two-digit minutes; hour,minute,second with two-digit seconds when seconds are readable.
5,59
